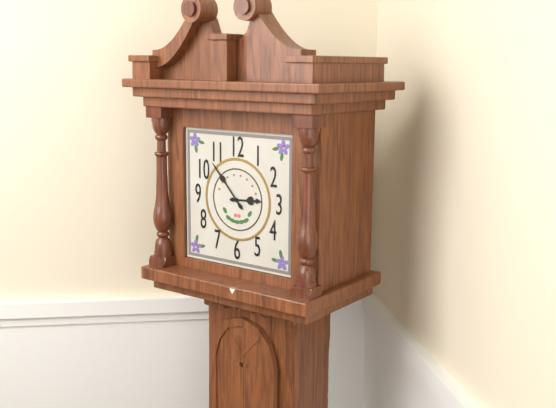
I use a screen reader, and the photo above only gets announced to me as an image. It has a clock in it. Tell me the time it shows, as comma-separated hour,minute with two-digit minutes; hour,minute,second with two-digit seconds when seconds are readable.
2,53
